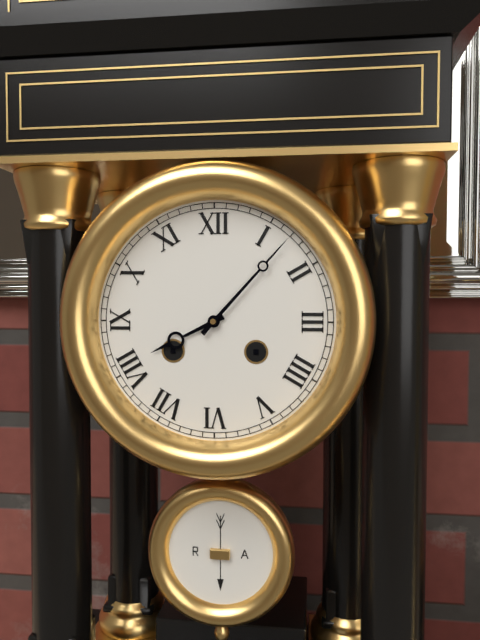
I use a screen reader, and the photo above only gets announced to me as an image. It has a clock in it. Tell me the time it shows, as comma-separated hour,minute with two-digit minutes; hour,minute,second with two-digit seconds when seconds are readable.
8,07
